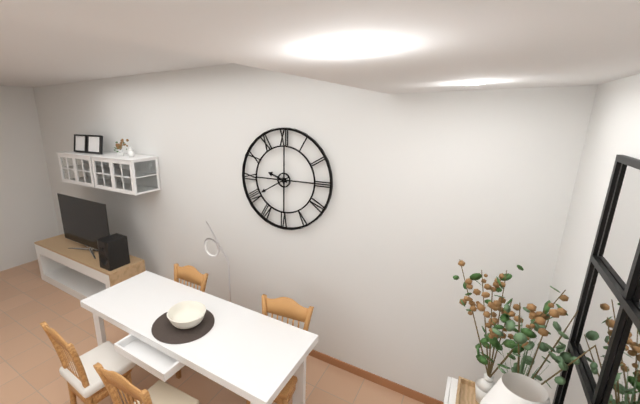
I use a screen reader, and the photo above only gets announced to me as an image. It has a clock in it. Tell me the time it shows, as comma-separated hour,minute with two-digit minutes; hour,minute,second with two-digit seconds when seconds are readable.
9,40
